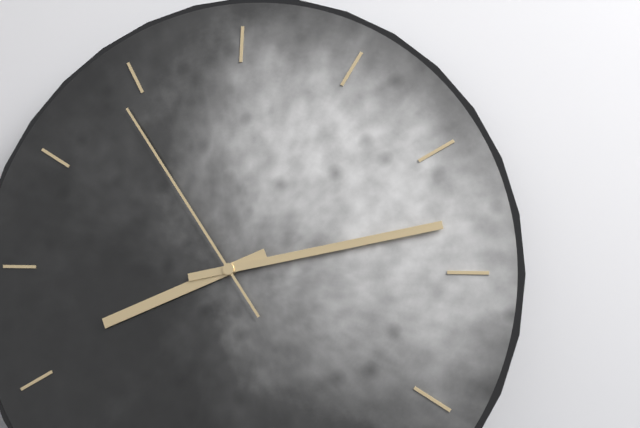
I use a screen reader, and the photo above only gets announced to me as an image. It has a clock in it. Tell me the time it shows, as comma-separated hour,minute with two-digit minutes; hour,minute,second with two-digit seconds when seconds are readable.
8,13,54
